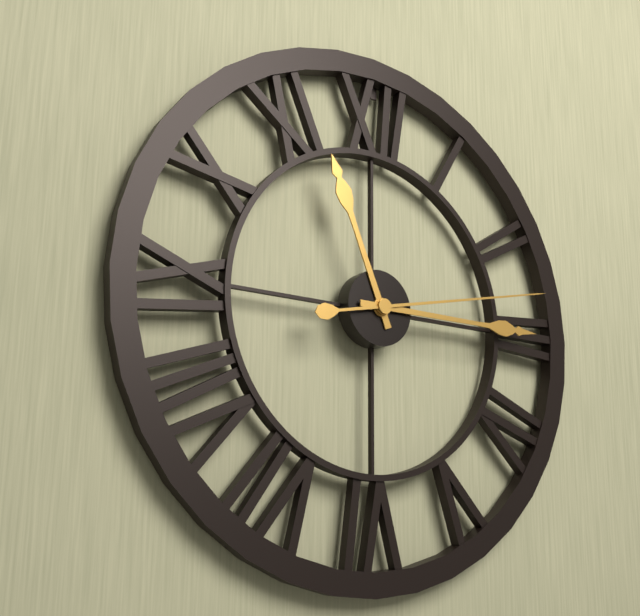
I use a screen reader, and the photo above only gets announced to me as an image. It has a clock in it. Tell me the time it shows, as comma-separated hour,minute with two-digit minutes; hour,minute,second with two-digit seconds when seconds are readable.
11,15,13
